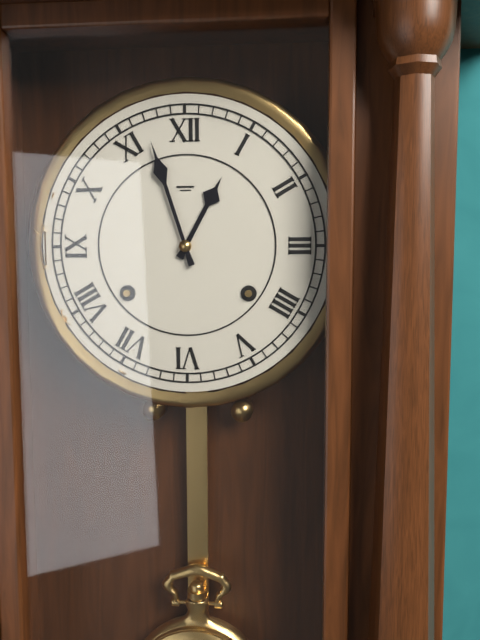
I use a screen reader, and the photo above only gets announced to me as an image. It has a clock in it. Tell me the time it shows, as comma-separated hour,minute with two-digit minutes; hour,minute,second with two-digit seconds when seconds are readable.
12,57
